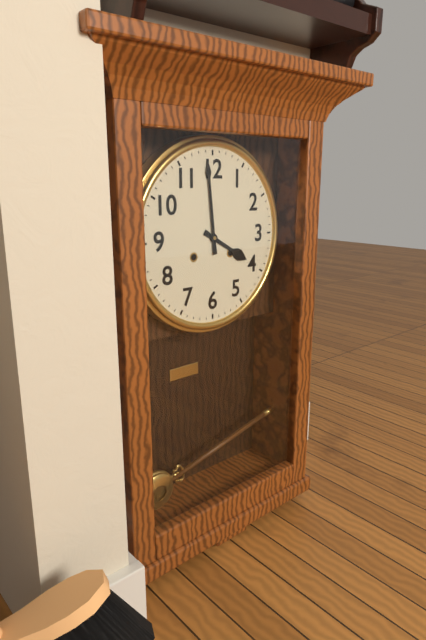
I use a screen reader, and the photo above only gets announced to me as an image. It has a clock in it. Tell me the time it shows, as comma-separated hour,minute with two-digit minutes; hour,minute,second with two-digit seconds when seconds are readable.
3,59
